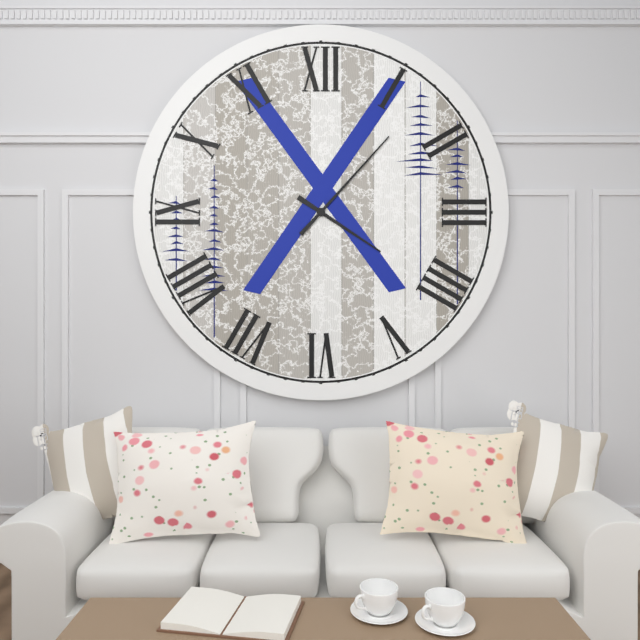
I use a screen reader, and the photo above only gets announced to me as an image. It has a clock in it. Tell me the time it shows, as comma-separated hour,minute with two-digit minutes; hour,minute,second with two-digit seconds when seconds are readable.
4,07
